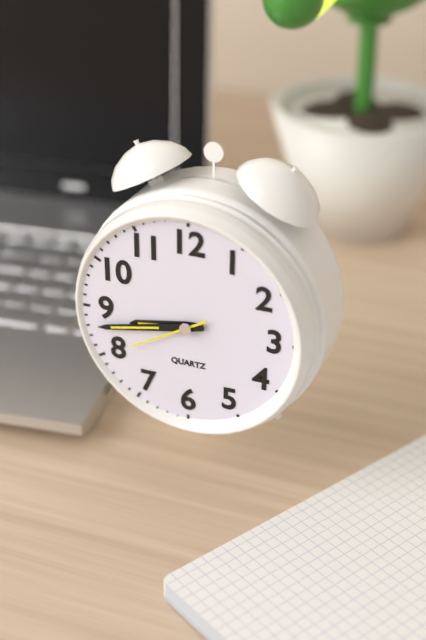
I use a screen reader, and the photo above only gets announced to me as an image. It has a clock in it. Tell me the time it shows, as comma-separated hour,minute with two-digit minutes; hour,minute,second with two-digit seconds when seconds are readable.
8,43,40
